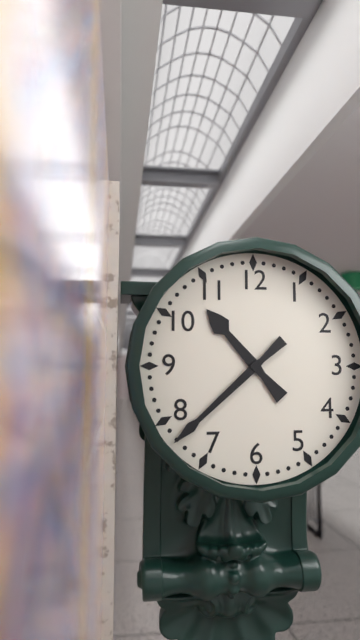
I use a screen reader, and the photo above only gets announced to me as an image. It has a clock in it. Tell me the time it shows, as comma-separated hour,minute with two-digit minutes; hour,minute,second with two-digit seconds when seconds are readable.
10,38
